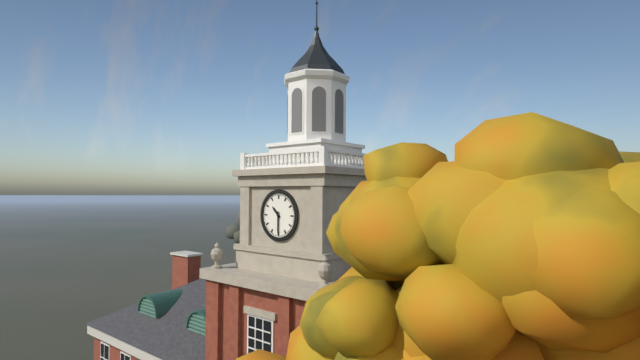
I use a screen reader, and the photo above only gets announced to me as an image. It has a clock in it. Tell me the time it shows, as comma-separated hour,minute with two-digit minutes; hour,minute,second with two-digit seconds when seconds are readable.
10,30
